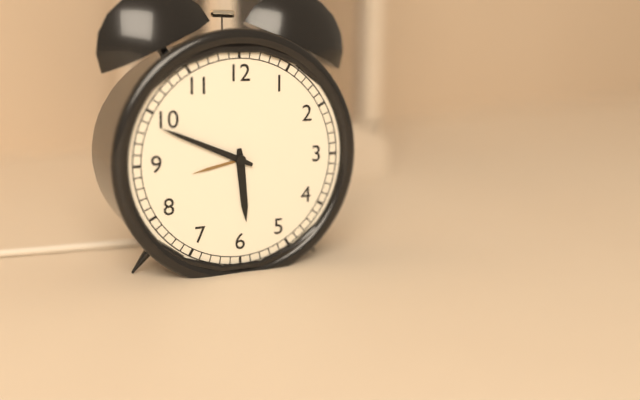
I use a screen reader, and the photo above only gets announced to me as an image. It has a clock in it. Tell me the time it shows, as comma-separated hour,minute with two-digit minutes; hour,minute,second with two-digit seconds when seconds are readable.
5,49
